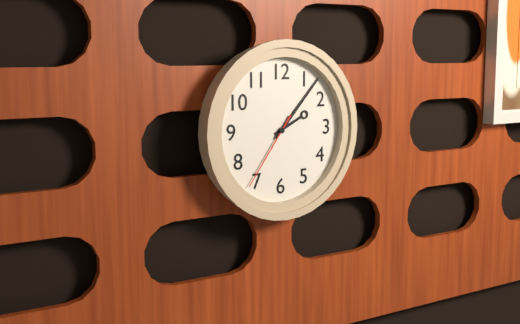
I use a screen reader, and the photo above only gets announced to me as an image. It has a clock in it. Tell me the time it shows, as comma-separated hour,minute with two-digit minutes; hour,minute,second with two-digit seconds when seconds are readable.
2,07,36
